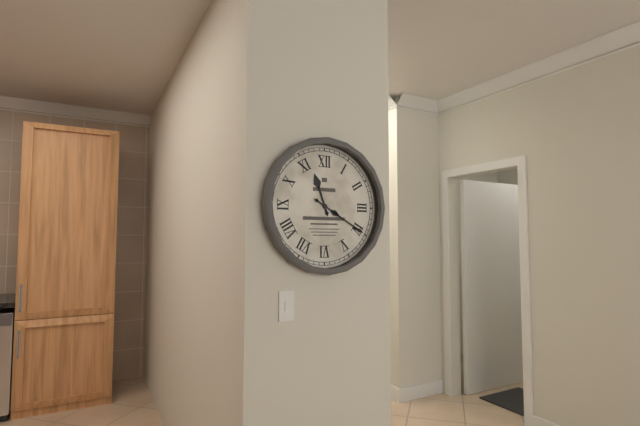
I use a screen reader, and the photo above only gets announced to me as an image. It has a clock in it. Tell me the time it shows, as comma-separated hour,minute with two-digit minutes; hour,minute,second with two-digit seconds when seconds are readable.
11,20
